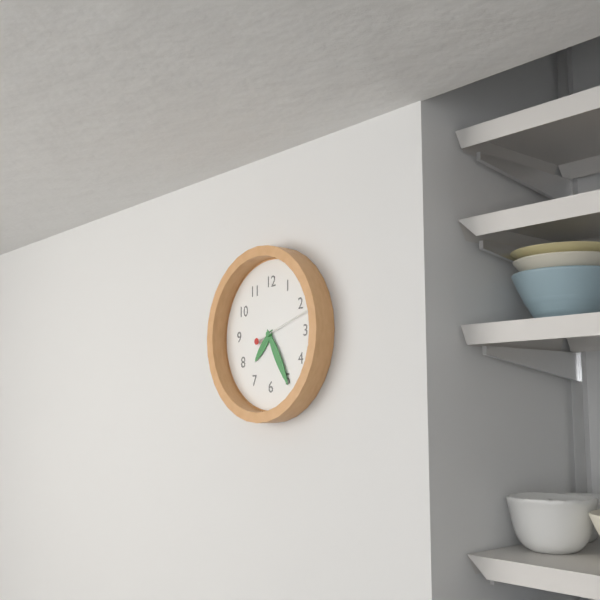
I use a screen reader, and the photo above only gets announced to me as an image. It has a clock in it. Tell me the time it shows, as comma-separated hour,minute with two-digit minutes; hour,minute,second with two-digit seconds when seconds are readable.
7,25,12
